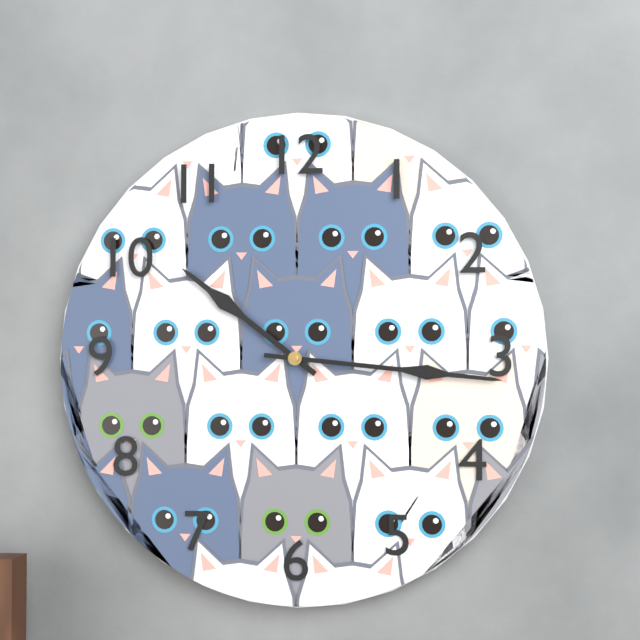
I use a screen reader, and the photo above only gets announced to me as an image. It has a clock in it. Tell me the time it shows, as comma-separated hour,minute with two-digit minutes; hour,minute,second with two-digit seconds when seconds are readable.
10,16
